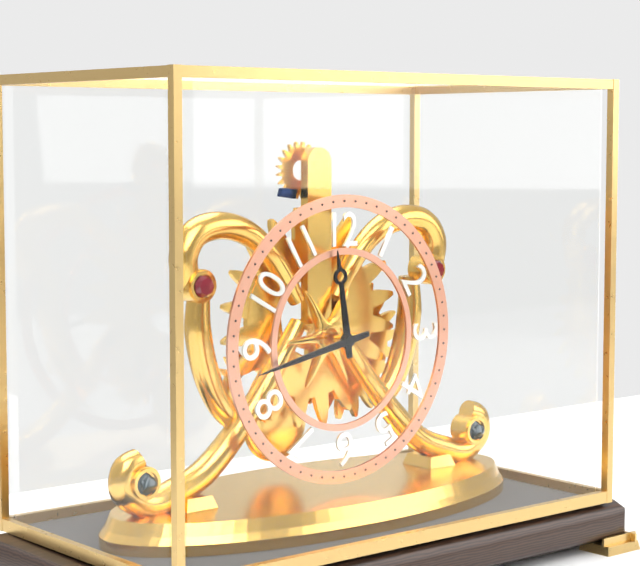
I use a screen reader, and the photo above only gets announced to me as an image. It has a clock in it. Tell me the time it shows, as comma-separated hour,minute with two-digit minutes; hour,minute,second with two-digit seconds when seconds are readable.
11,43
